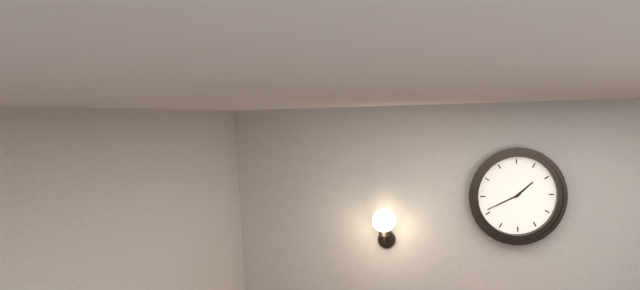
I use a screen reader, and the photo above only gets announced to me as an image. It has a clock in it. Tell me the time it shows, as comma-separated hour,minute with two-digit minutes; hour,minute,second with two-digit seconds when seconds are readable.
1,41
